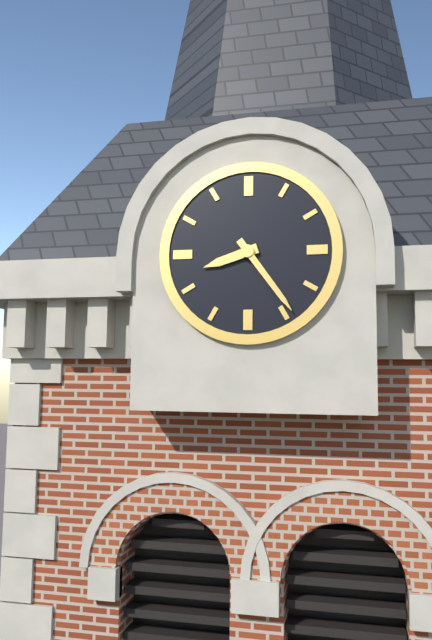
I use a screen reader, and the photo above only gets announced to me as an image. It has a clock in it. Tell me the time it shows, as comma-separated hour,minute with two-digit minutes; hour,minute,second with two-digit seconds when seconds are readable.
8,24
